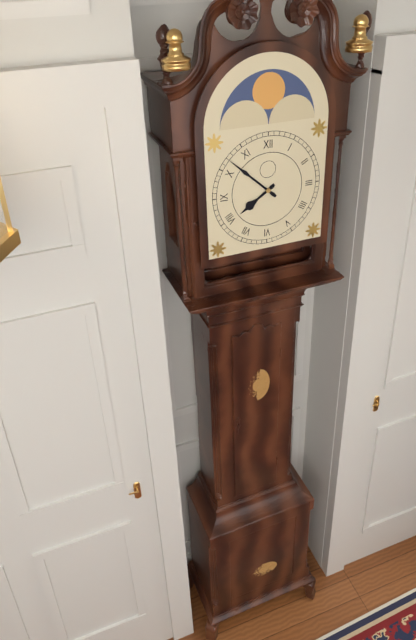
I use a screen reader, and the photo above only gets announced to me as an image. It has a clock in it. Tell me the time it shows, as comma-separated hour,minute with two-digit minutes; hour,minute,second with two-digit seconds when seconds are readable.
7,52
